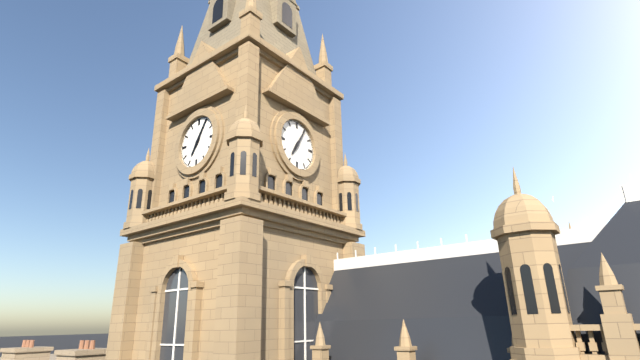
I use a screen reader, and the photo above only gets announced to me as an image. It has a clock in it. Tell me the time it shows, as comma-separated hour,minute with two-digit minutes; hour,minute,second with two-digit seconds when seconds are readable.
7,05
